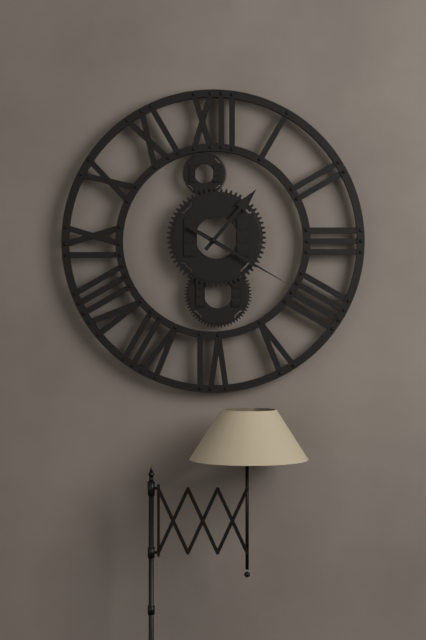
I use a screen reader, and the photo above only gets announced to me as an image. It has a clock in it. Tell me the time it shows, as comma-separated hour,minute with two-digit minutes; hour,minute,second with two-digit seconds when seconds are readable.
1,20
